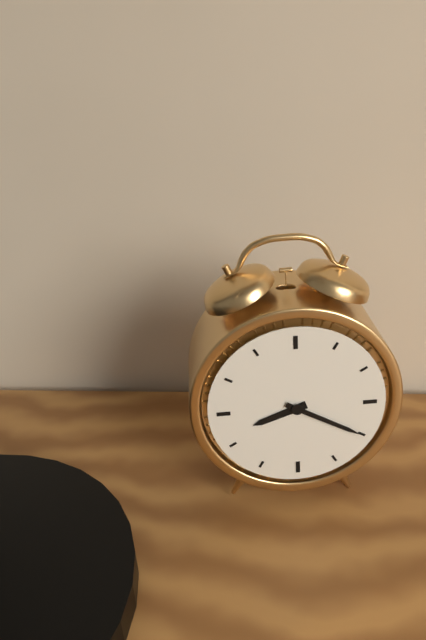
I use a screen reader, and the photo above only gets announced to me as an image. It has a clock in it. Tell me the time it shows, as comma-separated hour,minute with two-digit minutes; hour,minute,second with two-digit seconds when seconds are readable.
8,20
